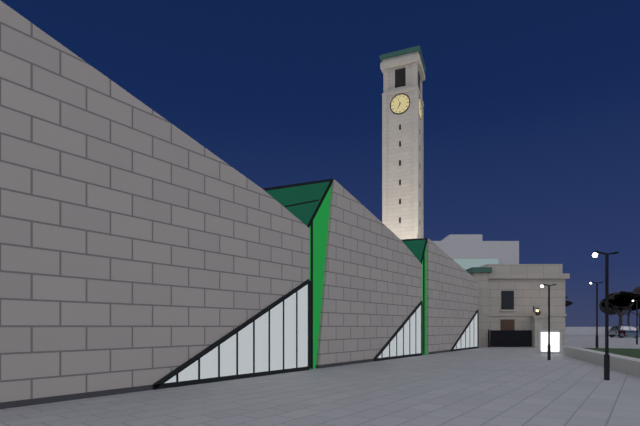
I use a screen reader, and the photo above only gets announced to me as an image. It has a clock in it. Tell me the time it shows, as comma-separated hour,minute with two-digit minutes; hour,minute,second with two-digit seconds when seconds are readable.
6,57
